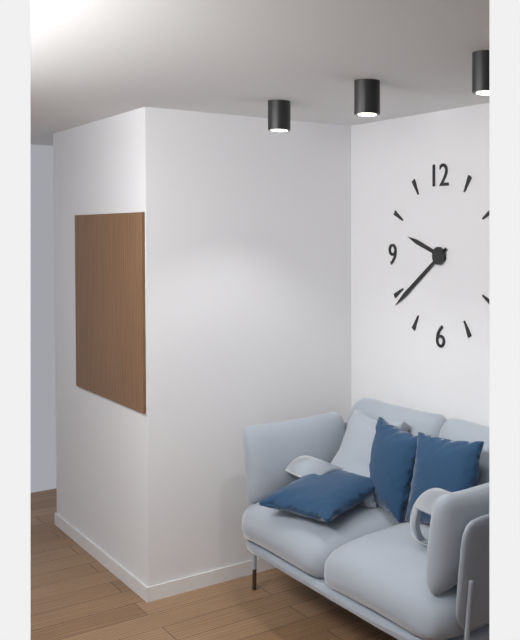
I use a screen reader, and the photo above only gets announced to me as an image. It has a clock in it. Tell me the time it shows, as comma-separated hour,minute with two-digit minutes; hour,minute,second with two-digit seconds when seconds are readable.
9,39
